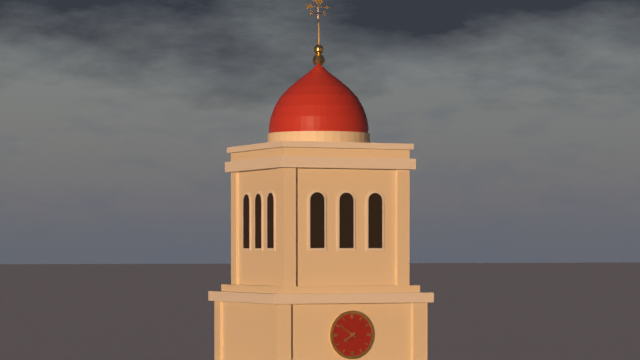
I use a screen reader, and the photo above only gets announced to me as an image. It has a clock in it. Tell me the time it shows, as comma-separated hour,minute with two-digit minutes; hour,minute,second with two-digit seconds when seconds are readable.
7,51
